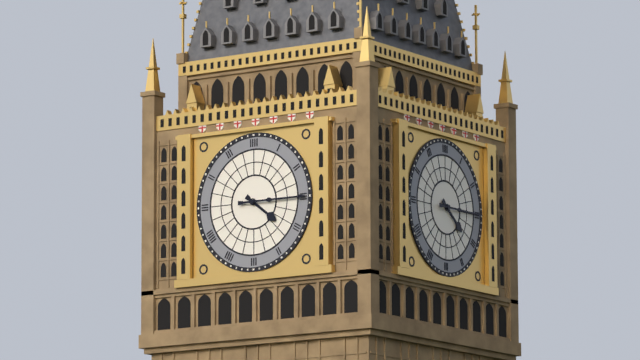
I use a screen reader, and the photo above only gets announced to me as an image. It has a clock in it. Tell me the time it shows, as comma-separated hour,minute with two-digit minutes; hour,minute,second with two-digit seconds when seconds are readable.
4,15
